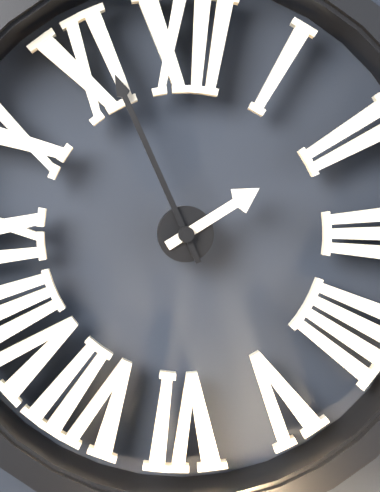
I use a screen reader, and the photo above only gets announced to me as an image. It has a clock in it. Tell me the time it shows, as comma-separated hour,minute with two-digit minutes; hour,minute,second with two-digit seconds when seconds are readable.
1,56
